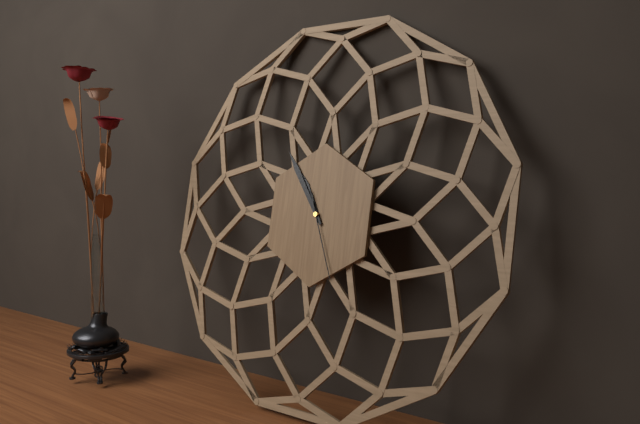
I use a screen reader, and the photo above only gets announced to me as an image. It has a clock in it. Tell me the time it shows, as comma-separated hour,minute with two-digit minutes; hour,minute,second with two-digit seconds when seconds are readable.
10,54,26
